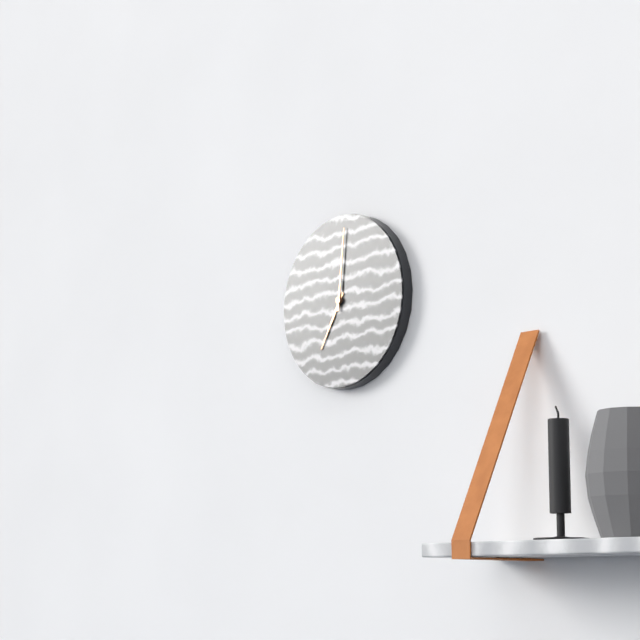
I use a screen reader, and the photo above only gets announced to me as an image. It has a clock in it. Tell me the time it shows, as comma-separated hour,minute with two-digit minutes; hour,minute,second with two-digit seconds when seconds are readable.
7,01
